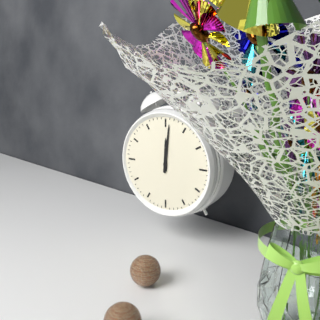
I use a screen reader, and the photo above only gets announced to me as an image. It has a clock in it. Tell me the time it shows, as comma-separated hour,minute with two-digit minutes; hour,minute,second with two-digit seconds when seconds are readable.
12,01
